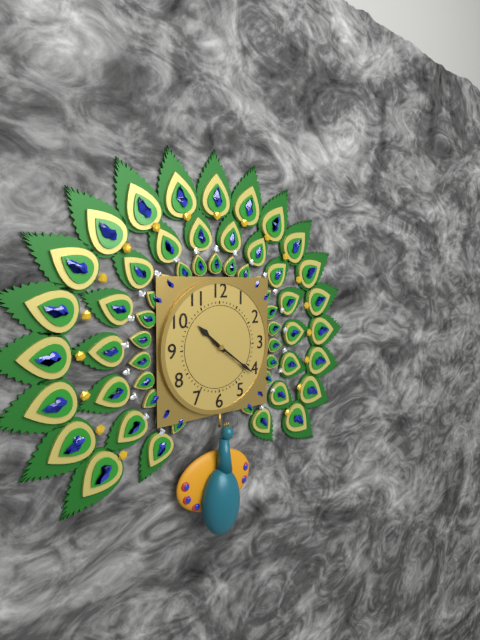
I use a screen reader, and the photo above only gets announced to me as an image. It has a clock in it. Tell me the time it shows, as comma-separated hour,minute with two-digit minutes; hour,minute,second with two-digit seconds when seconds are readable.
10,21
